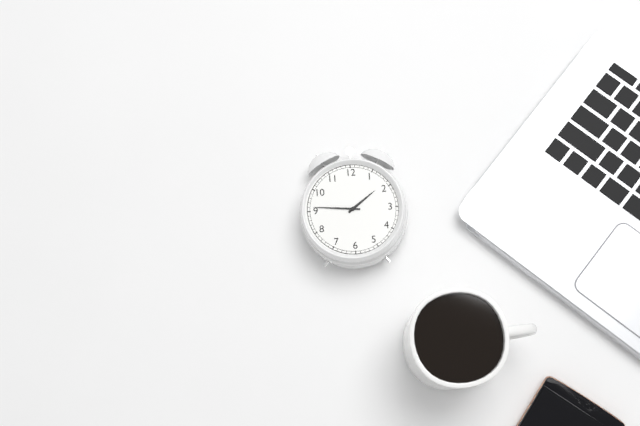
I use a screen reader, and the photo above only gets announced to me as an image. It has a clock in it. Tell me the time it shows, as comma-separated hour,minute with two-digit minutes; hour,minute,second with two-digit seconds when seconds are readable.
1,46
